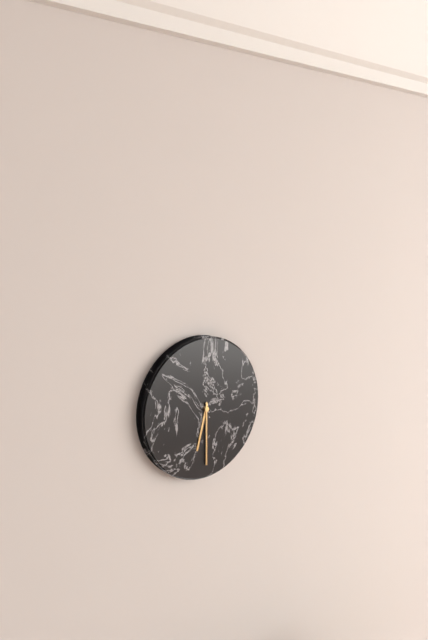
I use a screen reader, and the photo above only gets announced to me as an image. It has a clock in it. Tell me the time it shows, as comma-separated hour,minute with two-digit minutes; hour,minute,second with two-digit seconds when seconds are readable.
6,30
